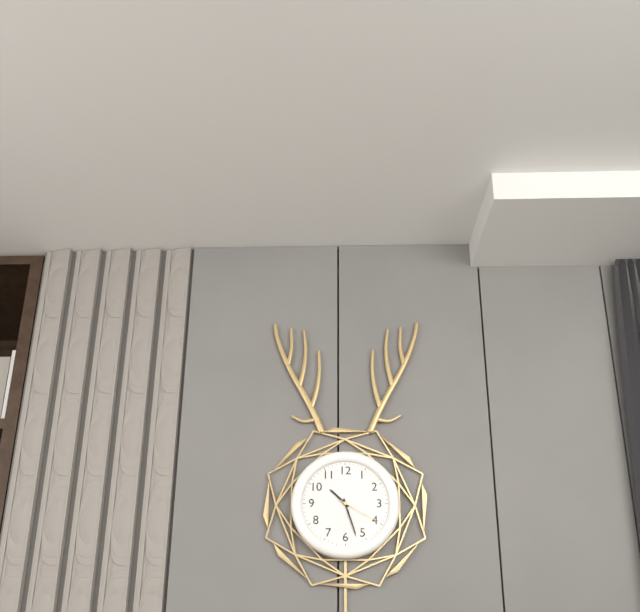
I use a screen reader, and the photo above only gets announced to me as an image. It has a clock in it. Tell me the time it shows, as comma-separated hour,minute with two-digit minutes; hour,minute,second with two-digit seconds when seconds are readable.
10,27
